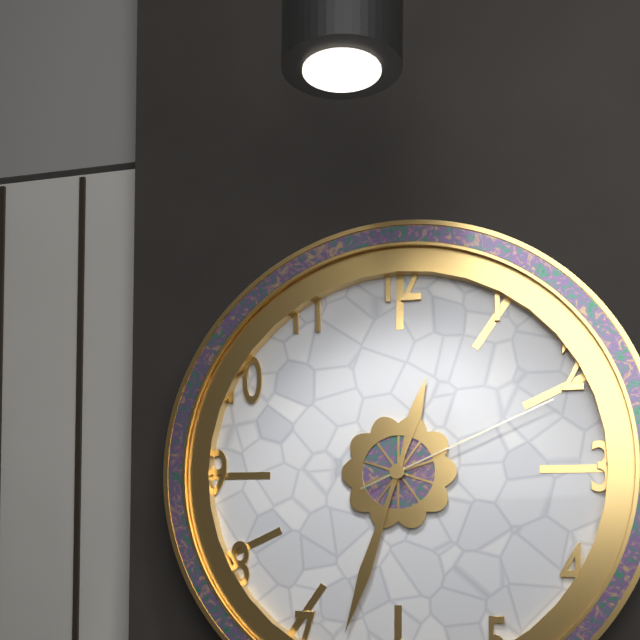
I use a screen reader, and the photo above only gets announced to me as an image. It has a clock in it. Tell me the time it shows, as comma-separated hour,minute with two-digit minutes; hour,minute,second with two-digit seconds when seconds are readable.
12,33,11
